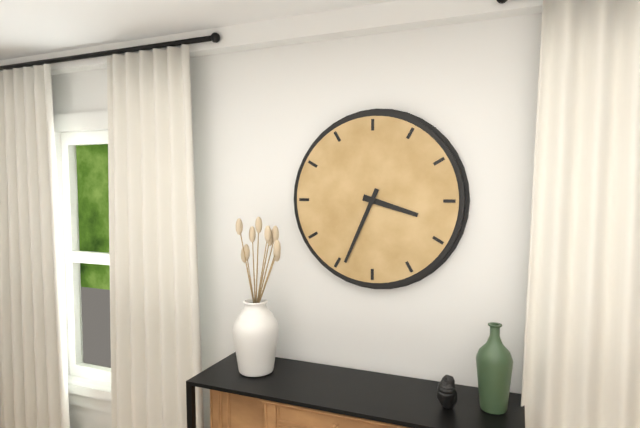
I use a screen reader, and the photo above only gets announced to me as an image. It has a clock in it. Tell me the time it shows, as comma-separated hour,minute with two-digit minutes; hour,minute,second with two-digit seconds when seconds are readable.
3,34
